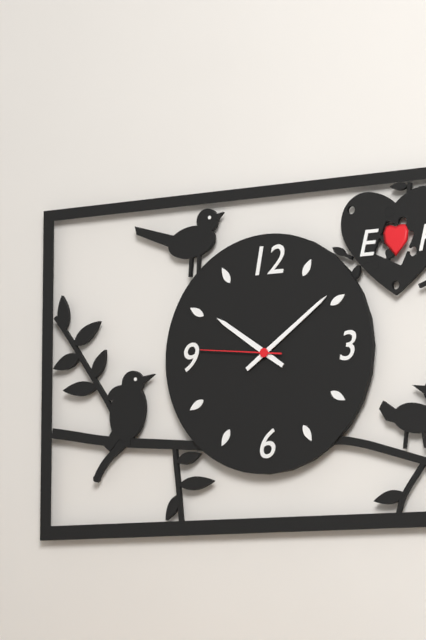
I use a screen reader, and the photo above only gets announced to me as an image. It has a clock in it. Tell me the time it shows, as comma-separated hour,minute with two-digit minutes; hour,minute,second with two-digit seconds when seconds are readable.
10,09,46
